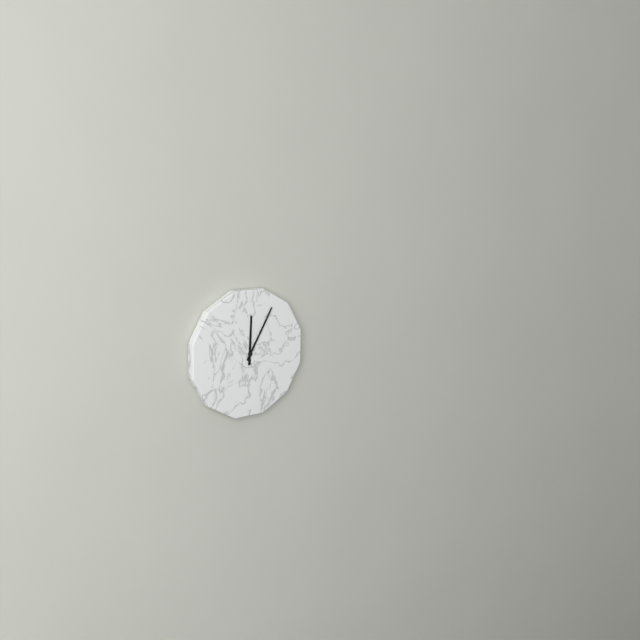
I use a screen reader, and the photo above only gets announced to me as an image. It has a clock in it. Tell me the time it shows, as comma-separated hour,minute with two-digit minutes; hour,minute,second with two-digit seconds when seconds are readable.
12,05
